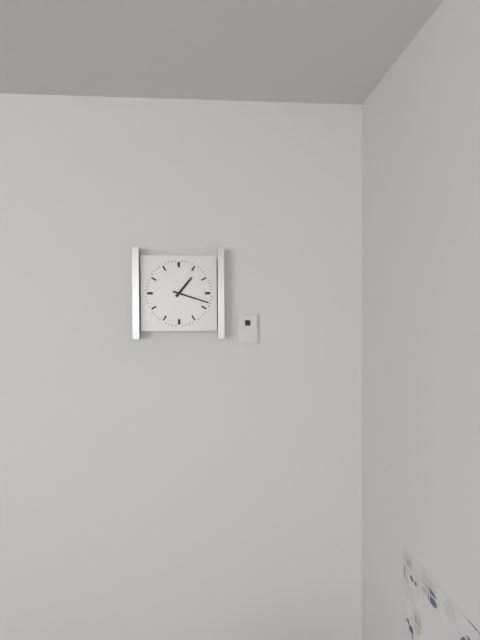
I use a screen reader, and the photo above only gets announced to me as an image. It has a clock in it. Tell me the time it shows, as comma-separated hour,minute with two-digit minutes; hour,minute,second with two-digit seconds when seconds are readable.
1,18
